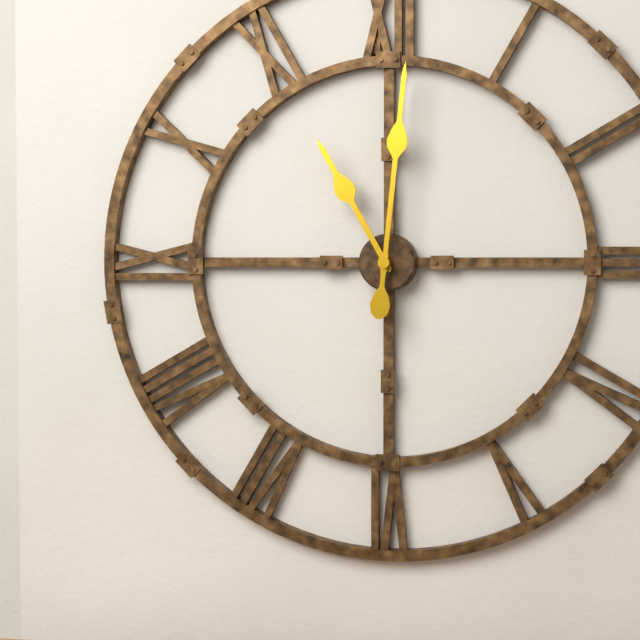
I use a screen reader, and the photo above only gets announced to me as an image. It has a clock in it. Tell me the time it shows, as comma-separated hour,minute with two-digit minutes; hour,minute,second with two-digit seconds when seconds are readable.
11,01
